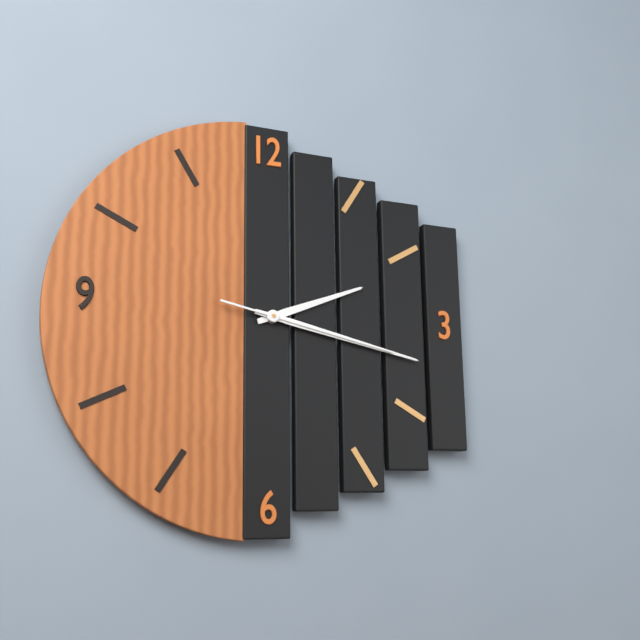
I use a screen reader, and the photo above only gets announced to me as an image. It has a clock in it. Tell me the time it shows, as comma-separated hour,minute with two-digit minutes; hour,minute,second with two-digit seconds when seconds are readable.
2,17,17
